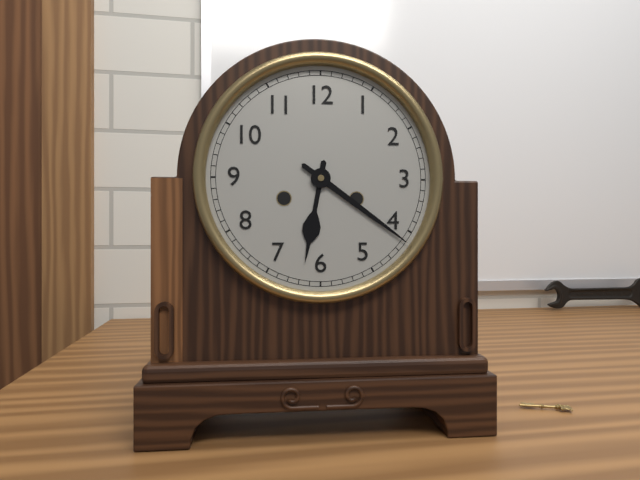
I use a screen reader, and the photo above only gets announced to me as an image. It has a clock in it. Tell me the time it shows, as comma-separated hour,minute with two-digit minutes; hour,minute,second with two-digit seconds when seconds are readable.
6,21
